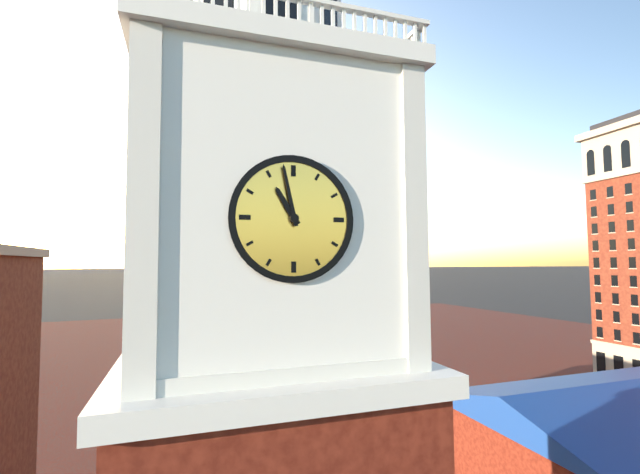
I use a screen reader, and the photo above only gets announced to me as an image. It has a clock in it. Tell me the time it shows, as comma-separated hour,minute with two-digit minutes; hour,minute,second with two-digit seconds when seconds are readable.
10,58
